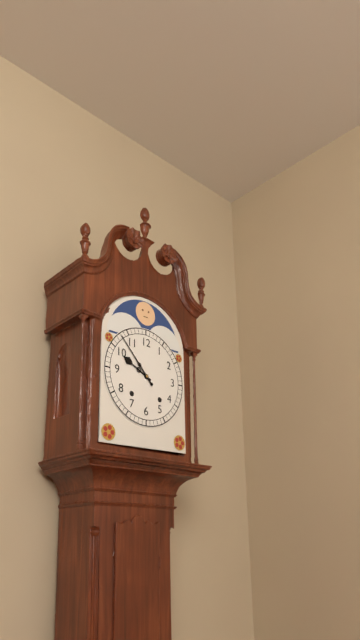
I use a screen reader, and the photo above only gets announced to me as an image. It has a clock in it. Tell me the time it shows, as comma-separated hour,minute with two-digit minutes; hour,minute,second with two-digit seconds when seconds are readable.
9,53
